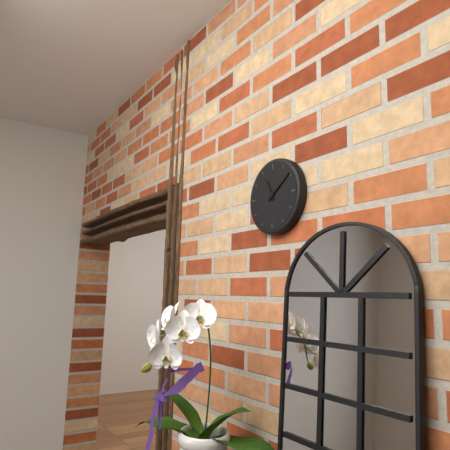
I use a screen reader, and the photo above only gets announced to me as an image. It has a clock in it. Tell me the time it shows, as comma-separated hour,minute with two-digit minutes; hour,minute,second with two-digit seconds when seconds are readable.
11,09
